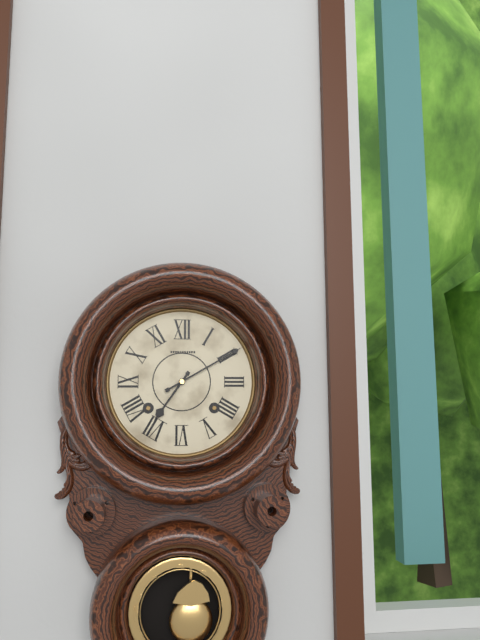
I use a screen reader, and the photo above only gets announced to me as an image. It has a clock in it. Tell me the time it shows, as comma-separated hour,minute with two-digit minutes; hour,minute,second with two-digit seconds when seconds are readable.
7,10
